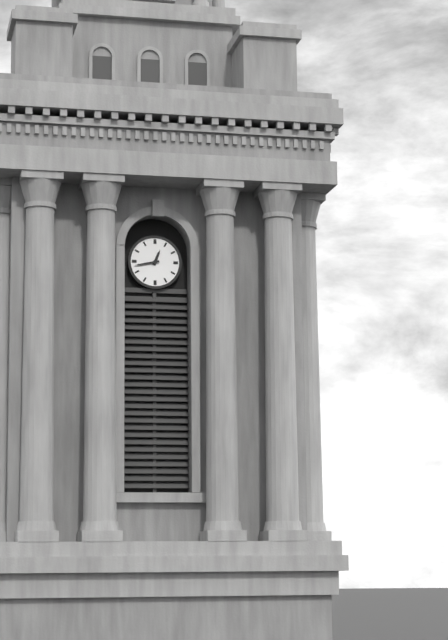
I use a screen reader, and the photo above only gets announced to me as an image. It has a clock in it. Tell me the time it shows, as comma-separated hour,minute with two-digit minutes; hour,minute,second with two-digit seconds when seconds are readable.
12,43
